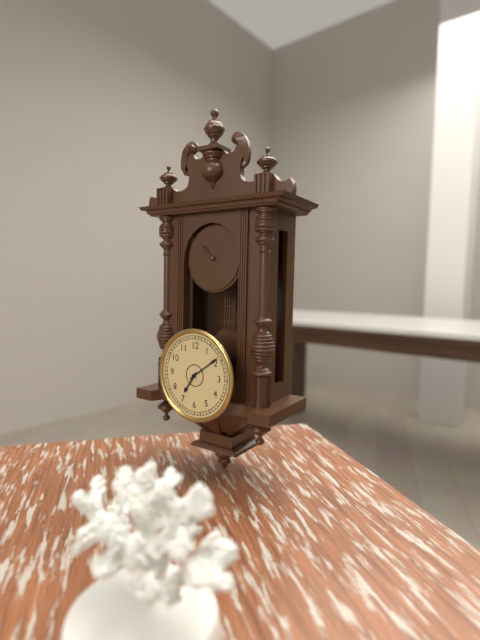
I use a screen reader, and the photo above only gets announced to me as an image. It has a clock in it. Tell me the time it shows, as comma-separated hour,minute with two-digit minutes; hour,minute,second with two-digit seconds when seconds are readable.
7,09
